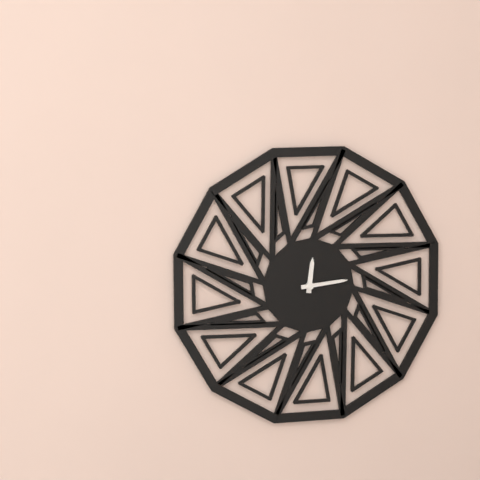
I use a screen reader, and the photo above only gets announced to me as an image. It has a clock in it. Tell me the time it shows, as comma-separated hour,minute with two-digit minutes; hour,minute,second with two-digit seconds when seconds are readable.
12,14
